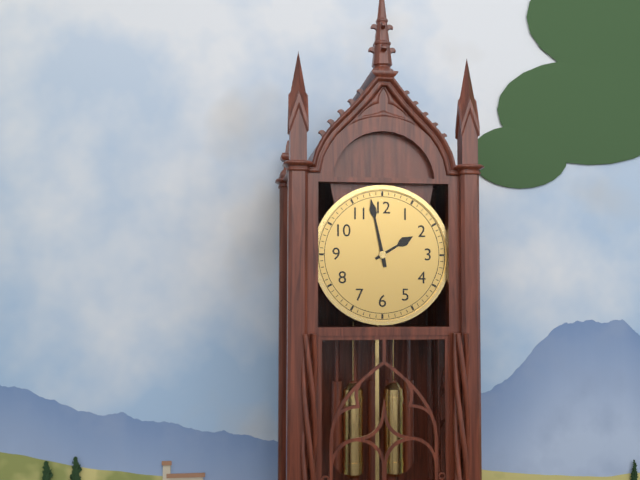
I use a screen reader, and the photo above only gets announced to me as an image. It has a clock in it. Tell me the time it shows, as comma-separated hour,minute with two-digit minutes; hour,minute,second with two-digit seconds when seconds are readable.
1,58
